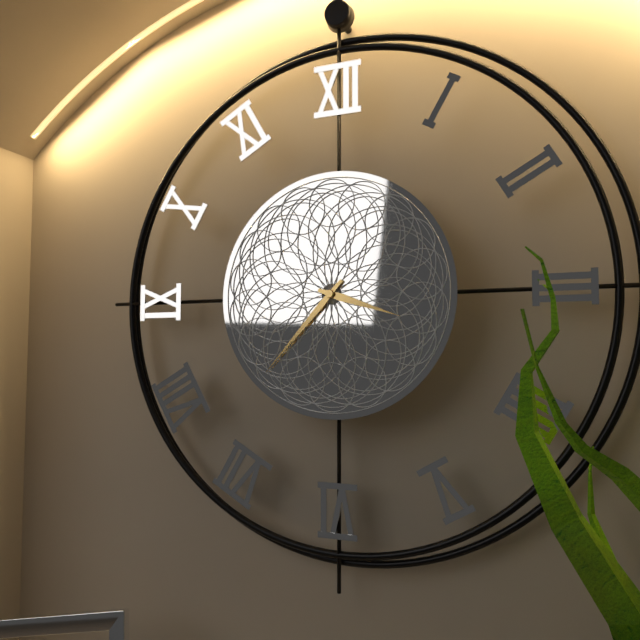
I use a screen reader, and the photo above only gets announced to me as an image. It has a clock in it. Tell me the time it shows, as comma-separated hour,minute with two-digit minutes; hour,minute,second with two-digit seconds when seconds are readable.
3,37
